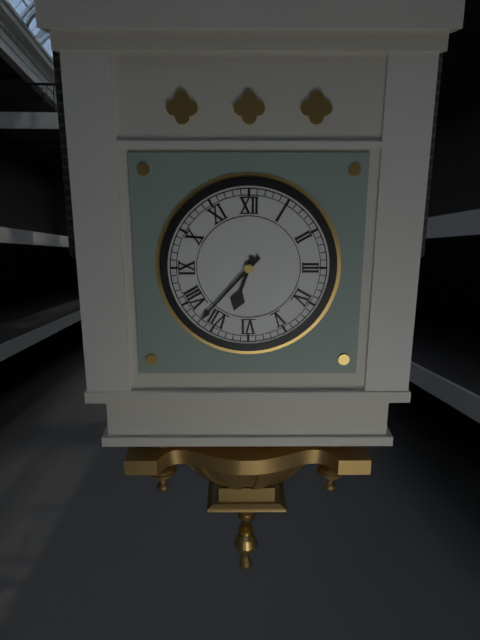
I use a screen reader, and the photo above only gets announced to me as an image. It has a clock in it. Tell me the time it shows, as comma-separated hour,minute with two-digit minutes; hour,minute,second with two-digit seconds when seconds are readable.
6,37
